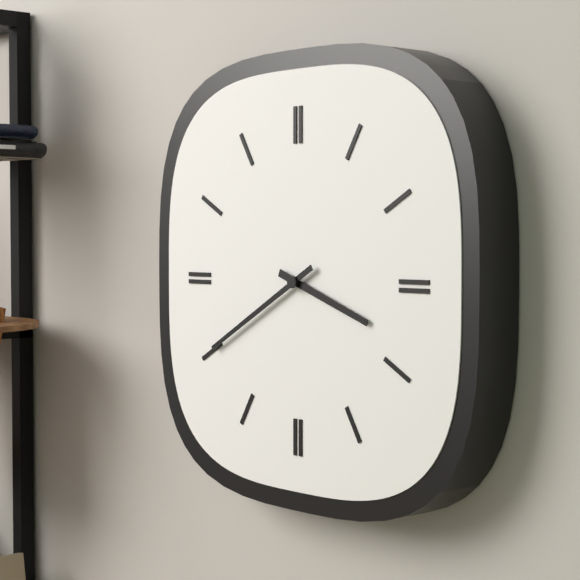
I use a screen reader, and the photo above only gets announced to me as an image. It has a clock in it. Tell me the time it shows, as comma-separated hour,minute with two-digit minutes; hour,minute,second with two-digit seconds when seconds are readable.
3,40
